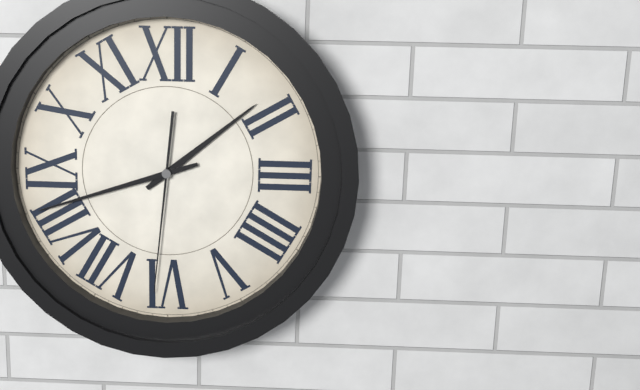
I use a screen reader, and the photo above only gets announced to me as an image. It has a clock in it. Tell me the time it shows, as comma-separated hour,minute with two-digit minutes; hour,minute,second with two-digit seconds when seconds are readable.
1,42,31
